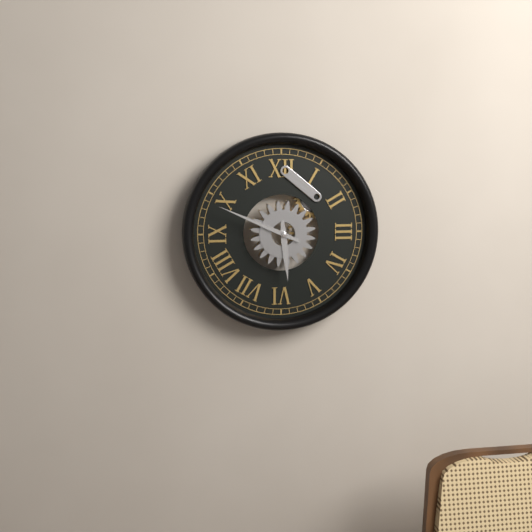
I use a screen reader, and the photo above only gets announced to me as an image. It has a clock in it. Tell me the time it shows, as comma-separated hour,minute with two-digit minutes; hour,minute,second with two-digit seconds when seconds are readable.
5,49
